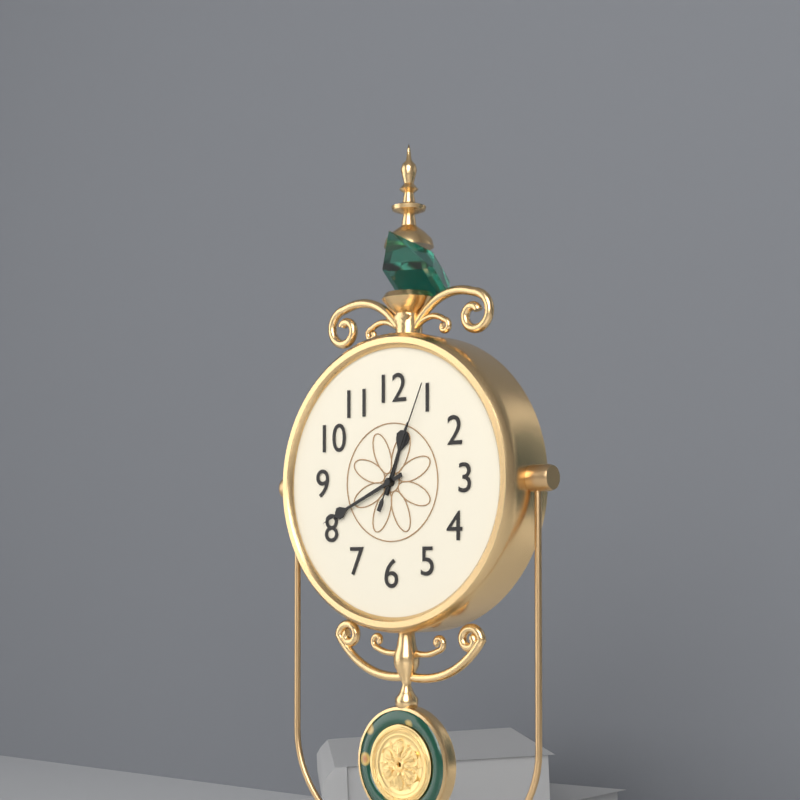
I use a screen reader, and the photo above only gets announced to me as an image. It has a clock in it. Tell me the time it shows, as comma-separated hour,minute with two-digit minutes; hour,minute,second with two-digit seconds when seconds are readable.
12,41,04
